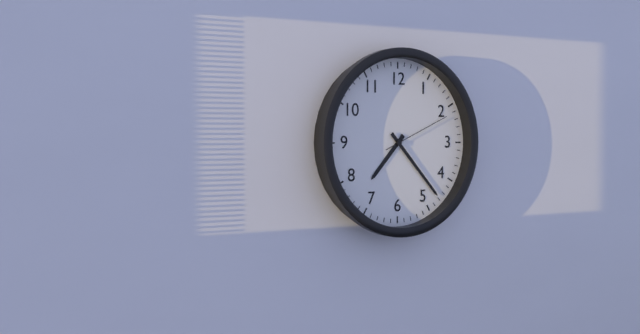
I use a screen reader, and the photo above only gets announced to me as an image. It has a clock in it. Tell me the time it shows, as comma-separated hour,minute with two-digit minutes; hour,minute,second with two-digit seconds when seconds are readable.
7,23,11
